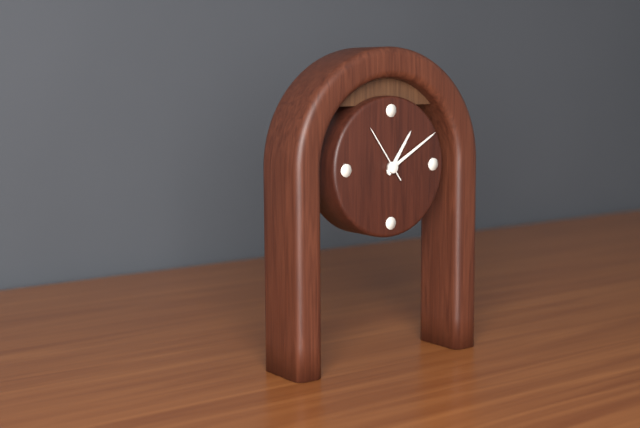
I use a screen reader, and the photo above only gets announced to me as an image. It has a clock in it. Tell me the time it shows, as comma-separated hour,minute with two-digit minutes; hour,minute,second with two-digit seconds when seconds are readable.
1,10,54
